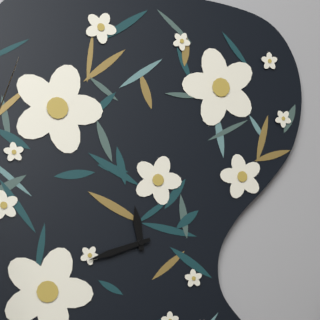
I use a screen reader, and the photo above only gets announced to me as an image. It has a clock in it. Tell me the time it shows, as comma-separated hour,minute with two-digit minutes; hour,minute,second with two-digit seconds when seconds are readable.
11,42
